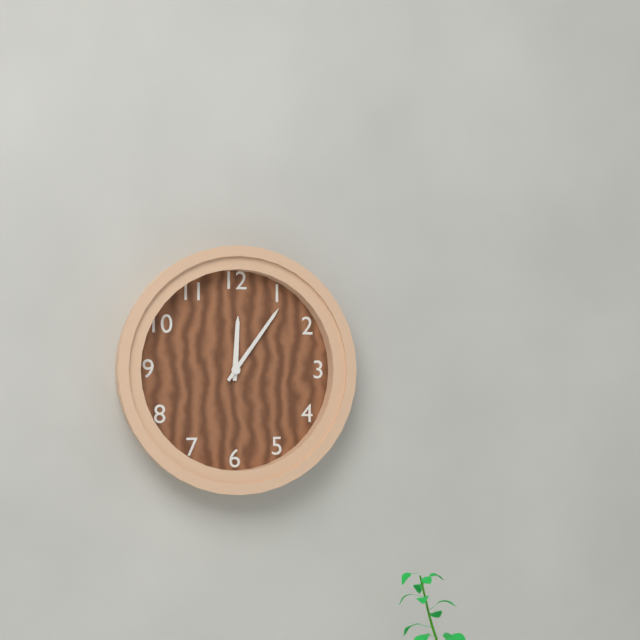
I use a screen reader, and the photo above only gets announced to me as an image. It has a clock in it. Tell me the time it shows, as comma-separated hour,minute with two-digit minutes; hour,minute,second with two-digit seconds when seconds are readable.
12,06
